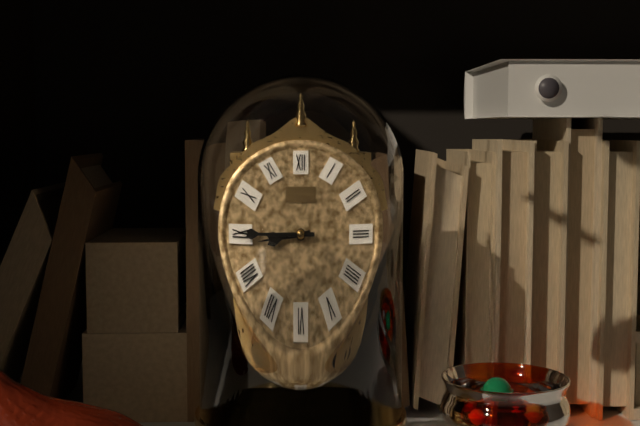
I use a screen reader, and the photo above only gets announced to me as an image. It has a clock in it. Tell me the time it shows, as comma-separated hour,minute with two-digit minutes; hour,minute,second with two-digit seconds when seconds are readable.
8,45
